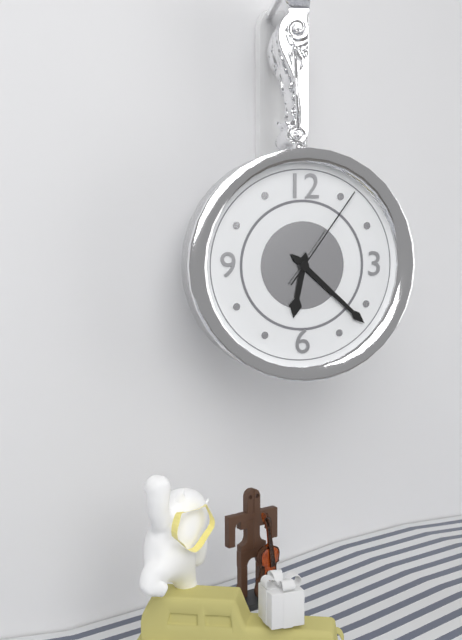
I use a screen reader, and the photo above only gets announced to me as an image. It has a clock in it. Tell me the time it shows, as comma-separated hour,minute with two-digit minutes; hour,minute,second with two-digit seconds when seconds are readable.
6,22,06
